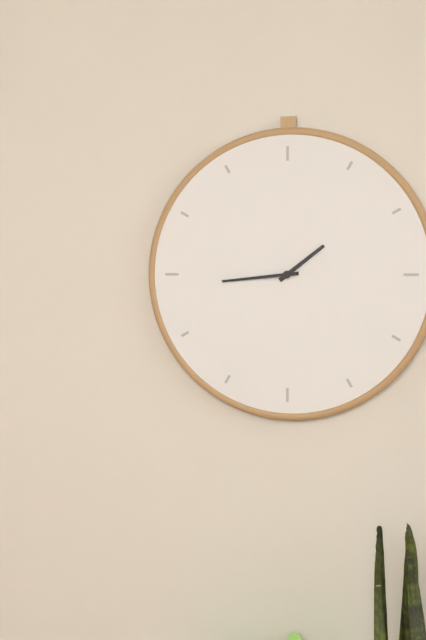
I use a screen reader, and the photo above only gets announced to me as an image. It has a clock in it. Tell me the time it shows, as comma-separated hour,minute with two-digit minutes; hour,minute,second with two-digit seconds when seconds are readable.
1,44
